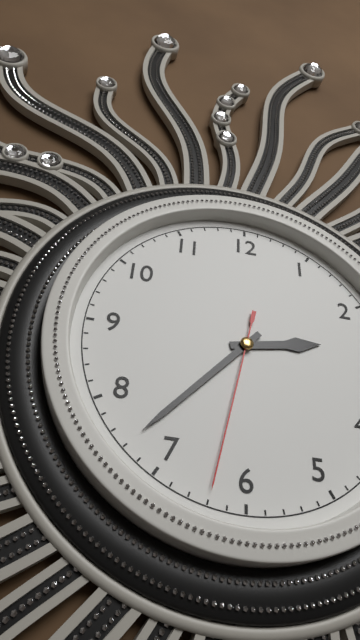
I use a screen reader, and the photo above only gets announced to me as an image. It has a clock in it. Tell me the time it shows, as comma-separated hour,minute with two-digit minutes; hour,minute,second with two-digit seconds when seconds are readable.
2,37,32
